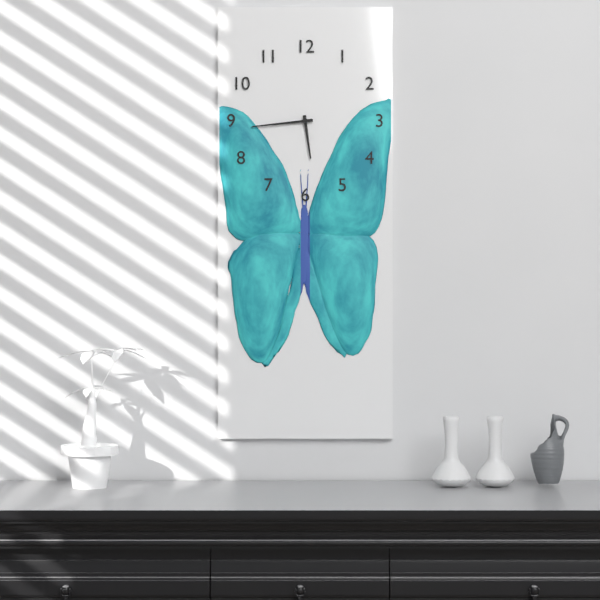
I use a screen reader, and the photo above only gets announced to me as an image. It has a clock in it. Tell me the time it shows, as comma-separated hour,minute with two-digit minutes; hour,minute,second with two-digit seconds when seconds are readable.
5,44
